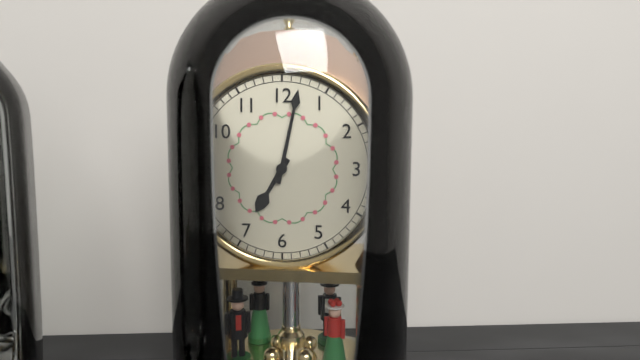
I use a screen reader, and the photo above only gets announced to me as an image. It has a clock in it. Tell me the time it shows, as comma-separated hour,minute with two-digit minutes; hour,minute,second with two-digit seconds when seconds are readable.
7,02
